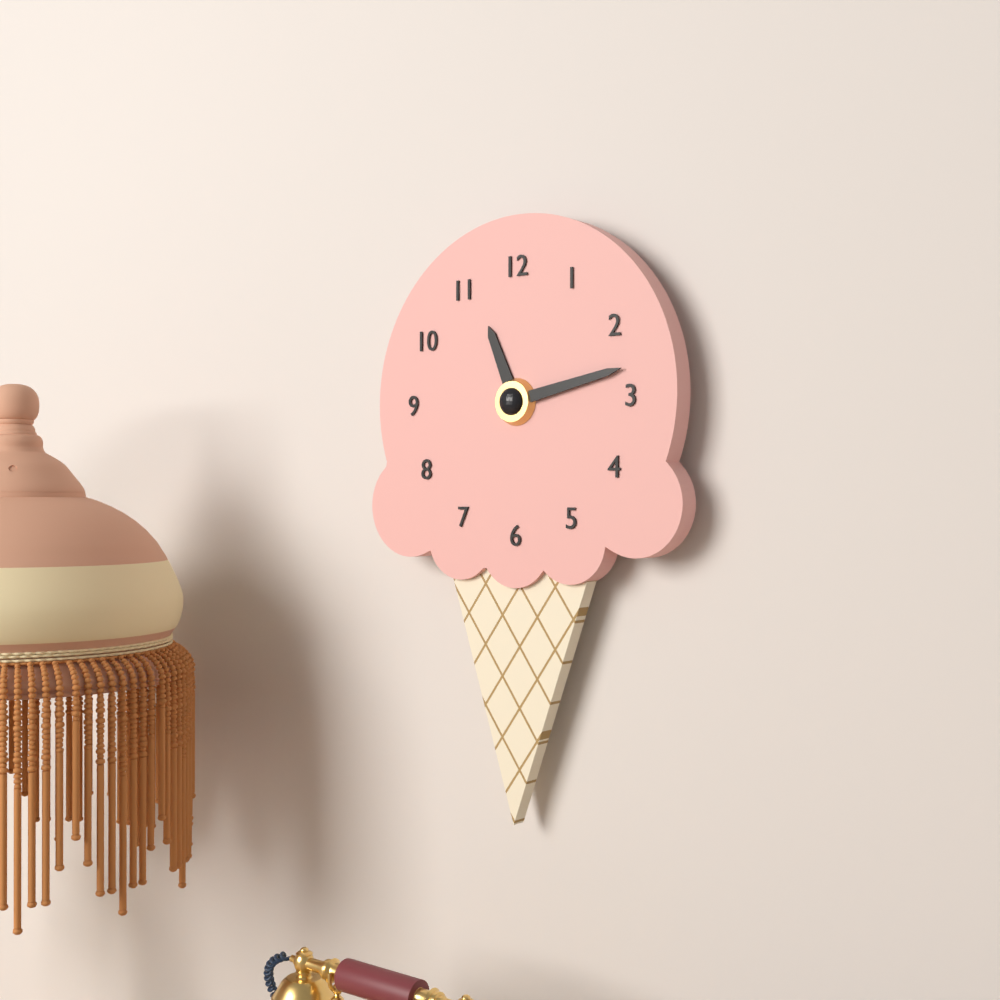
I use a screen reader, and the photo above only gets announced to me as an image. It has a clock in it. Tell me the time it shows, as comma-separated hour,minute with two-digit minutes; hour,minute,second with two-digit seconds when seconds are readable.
11,13
